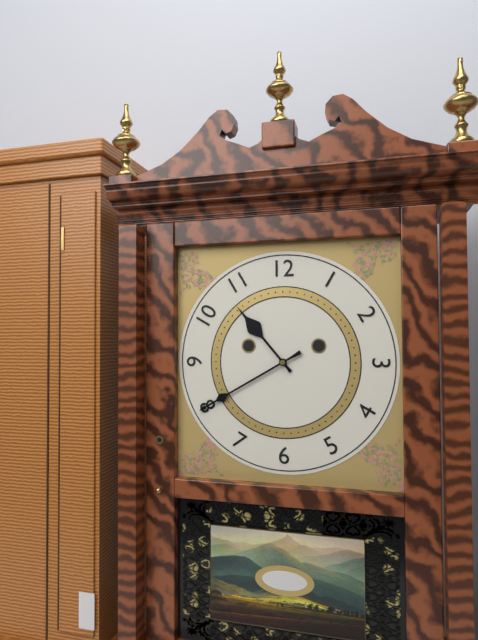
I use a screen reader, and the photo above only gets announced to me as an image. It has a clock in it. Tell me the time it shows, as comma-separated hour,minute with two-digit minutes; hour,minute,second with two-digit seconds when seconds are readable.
10,40
